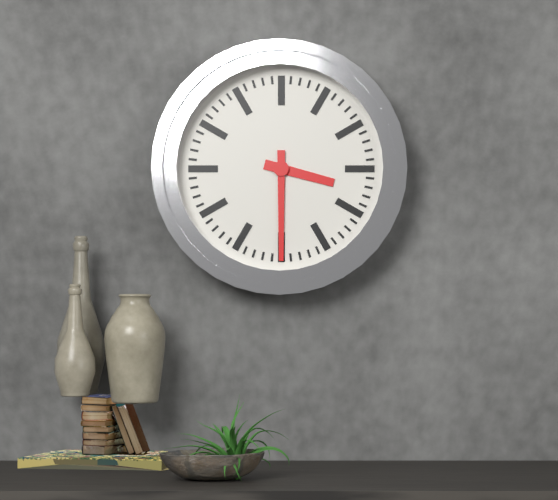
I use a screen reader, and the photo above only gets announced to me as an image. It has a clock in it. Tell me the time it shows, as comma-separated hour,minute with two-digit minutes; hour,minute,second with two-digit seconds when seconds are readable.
3,30
